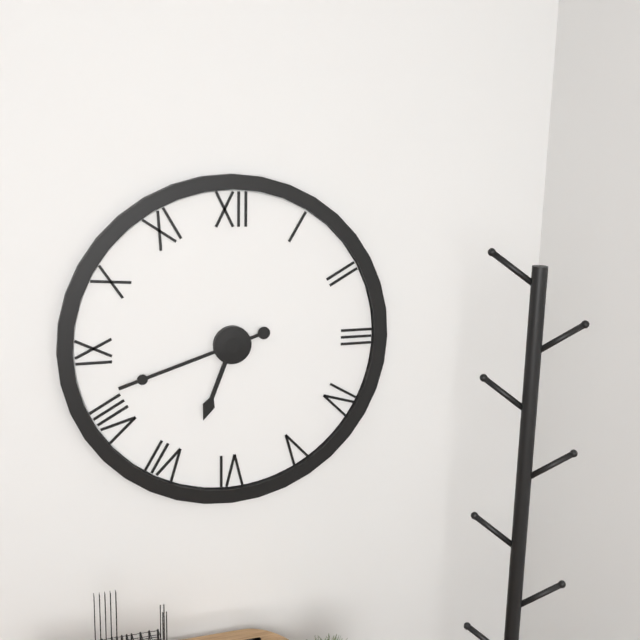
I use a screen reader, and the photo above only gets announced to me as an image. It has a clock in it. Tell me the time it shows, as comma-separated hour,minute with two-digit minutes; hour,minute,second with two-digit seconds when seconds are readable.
6,42
